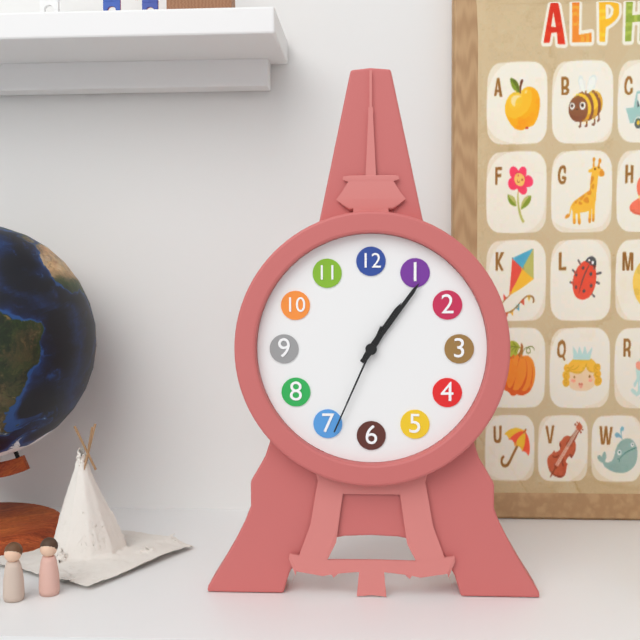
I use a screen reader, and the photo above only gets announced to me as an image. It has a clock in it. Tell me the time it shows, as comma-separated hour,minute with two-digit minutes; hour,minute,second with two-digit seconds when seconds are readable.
1,06,34
